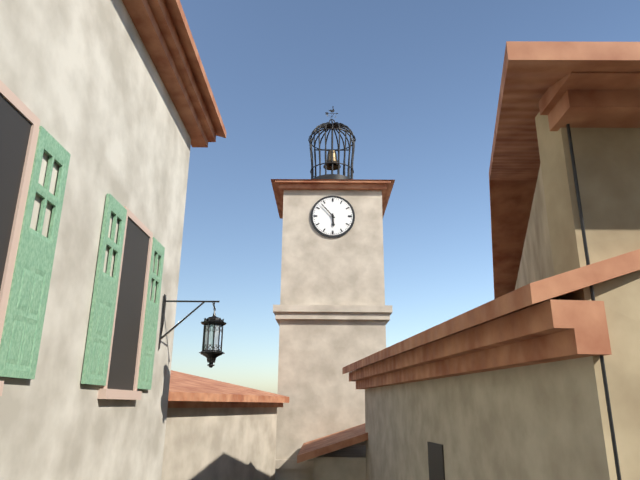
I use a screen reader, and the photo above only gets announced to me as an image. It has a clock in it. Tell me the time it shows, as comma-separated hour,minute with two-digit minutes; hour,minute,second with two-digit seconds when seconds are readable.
5,53
